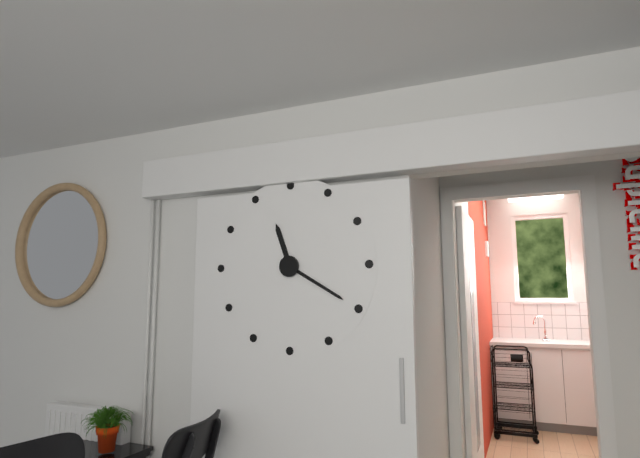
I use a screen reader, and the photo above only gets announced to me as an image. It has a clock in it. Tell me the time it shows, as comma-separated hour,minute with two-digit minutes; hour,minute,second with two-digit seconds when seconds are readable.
11,20
